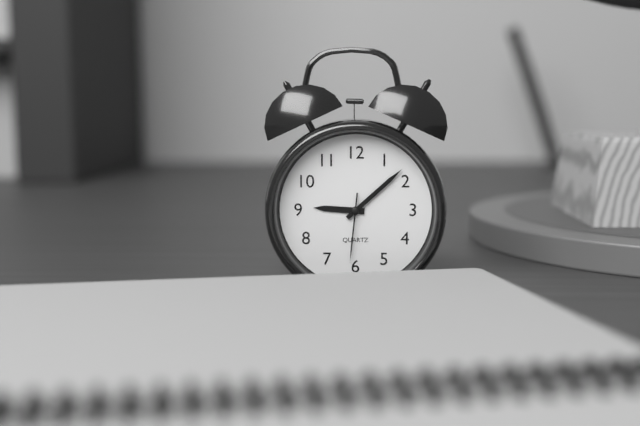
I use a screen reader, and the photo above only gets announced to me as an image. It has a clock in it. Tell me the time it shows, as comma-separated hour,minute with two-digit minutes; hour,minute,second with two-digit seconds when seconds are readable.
9,08,31
